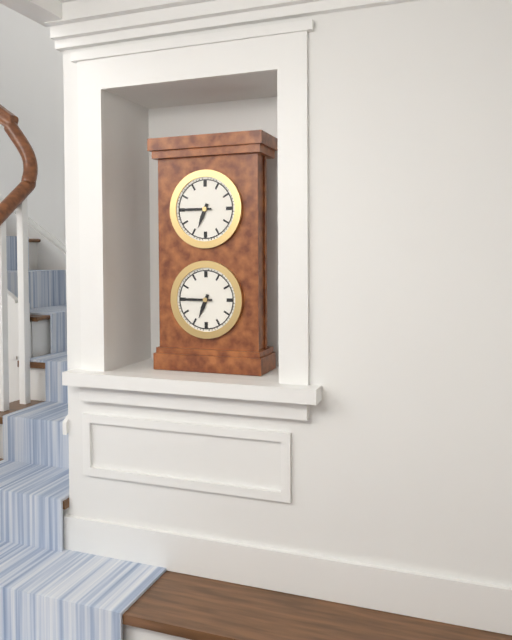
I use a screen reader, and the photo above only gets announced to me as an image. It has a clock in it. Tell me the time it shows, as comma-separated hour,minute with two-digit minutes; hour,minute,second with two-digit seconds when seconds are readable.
6,45
